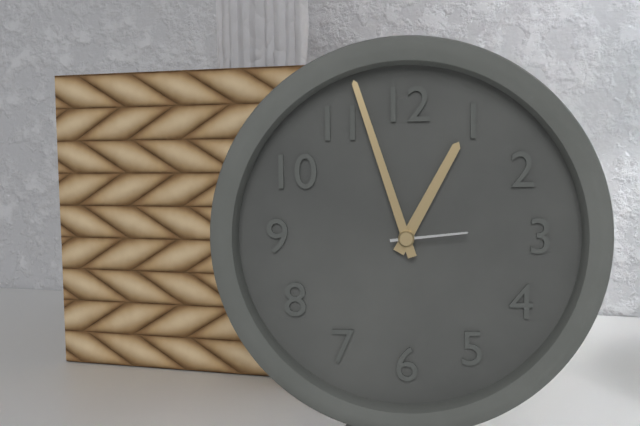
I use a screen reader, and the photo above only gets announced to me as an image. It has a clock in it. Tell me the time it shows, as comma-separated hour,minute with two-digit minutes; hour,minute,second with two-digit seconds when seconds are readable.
12,57,14
